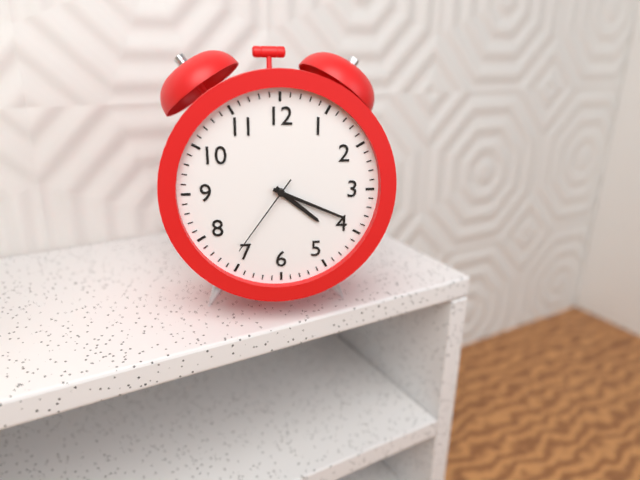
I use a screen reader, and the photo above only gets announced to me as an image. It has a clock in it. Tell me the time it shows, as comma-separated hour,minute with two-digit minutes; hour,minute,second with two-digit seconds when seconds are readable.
4,19,36
